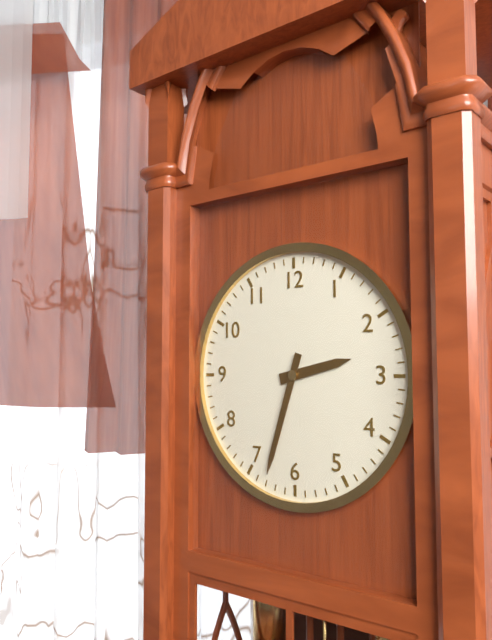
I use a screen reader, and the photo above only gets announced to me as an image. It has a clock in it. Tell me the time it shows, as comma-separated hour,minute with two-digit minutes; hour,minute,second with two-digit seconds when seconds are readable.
2,33
